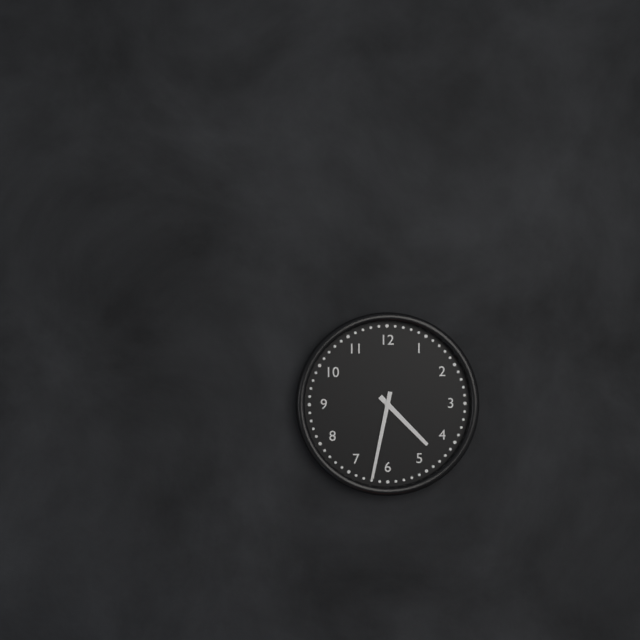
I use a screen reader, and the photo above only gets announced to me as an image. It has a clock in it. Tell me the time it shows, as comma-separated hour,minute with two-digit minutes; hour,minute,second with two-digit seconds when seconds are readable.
4,32
